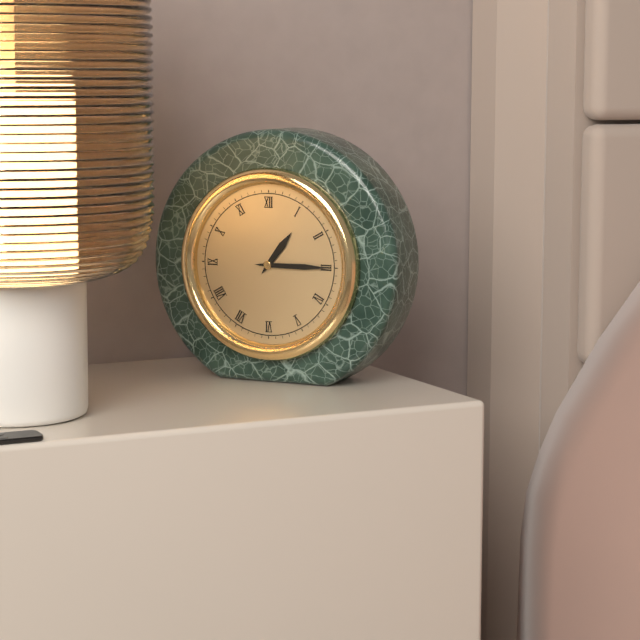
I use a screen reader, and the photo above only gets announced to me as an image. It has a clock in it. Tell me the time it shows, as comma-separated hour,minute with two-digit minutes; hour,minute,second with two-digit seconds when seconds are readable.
1,15
